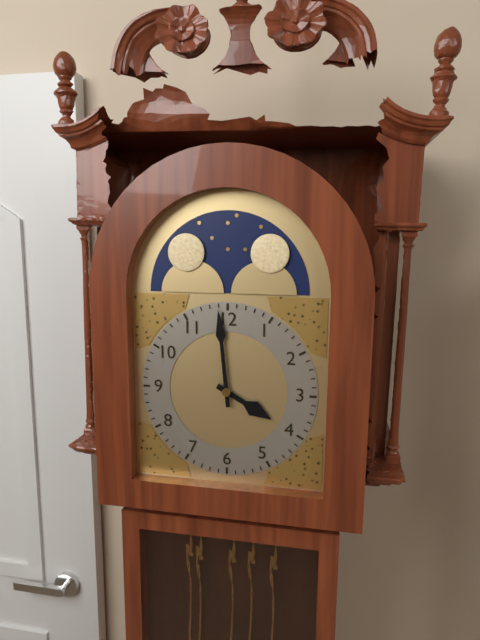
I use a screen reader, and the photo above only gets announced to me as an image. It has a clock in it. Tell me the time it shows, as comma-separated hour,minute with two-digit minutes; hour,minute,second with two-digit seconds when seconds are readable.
3,59
